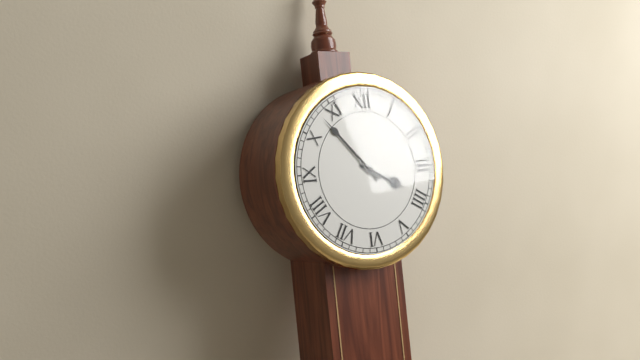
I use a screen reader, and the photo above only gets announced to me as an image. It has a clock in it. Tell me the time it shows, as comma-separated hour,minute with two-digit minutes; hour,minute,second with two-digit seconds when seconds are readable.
3,53
